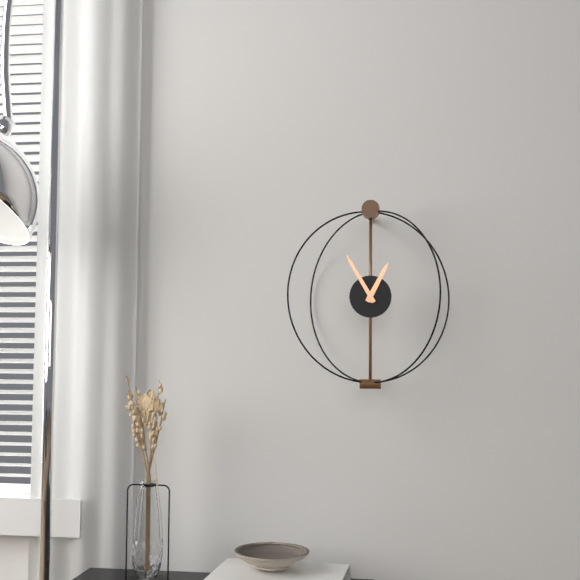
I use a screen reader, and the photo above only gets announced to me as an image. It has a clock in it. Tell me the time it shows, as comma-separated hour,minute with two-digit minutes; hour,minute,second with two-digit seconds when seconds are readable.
12,55
